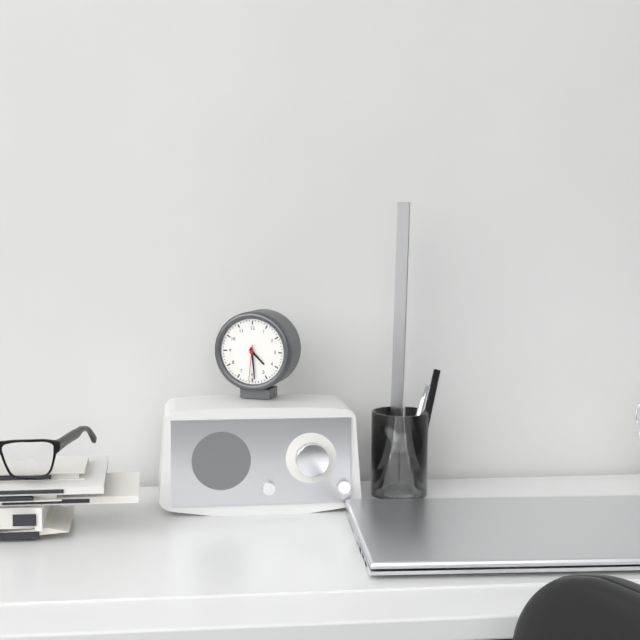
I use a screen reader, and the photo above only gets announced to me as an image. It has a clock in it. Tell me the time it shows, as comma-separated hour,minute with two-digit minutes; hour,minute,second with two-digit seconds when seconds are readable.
4,29
